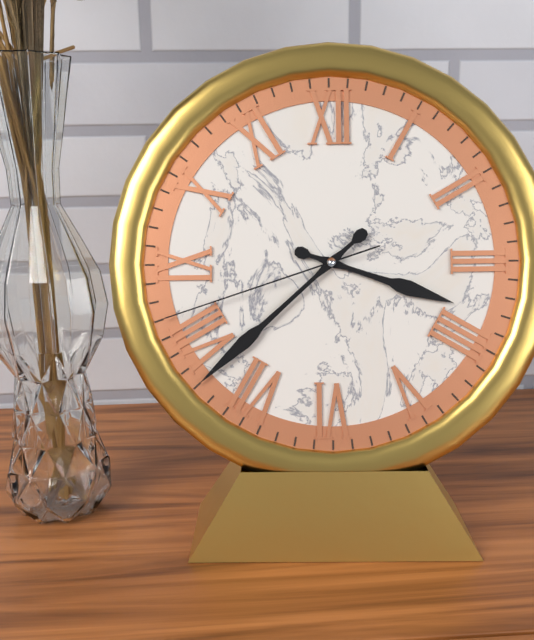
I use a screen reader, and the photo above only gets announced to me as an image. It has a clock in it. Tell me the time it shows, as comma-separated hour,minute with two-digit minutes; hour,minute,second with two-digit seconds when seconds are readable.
3,38,42
